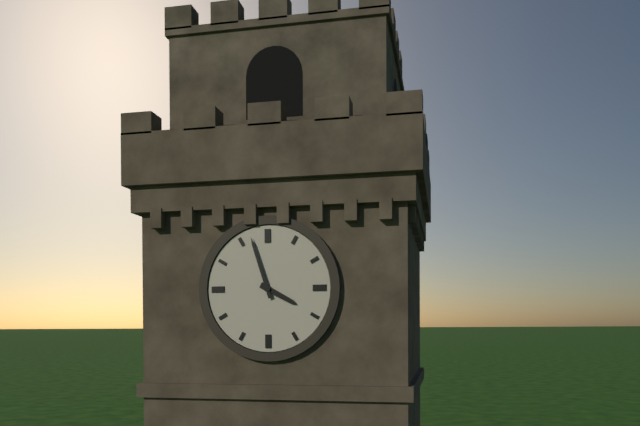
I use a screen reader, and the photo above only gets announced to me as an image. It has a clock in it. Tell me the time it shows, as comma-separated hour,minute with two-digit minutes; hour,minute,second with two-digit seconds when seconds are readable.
3,57
